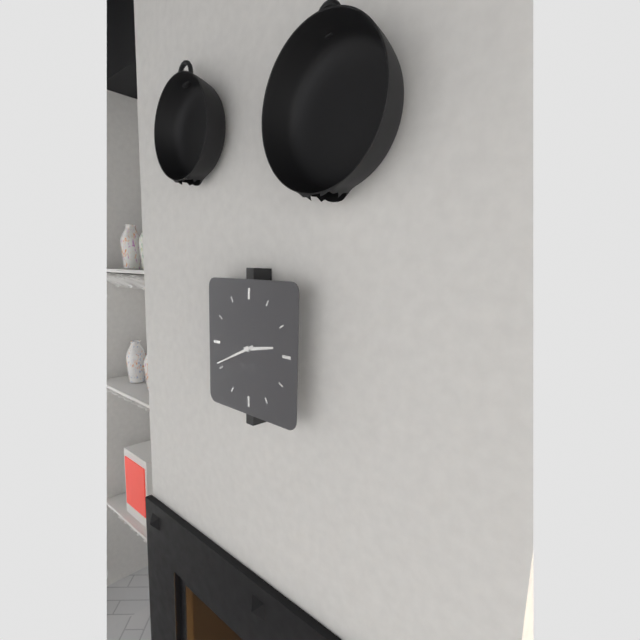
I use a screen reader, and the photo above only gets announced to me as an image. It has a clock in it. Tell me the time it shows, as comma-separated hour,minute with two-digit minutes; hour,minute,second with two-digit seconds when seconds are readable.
2,41
